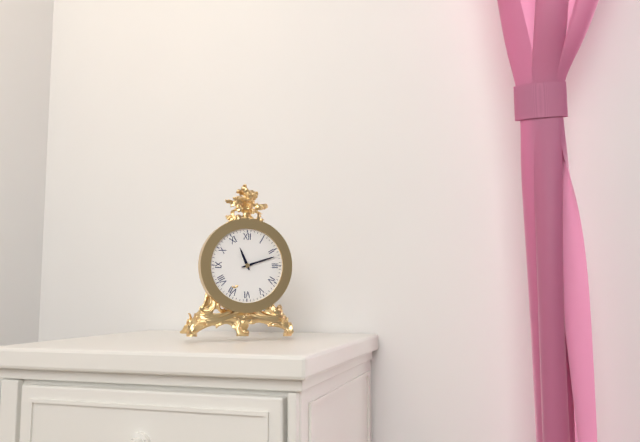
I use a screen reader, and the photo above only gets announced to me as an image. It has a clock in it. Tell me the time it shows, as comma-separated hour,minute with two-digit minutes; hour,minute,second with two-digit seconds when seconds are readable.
11,12
